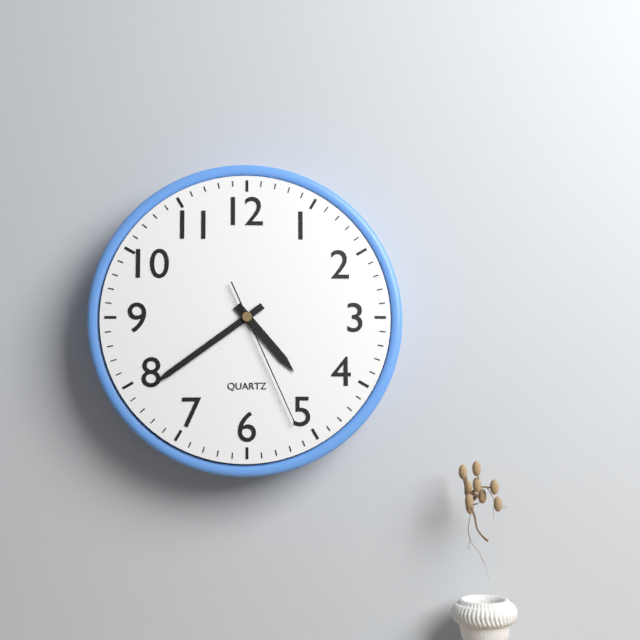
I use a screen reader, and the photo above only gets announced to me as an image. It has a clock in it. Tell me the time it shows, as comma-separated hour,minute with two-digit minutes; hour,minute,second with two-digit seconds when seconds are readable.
4,39,26
